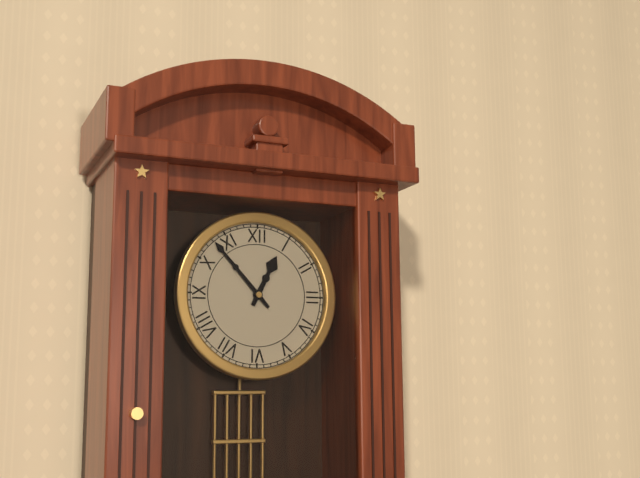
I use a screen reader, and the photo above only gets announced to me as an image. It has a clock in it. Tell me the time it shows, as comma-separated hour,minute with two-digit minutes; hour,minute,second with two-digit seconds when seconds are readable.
12,53
